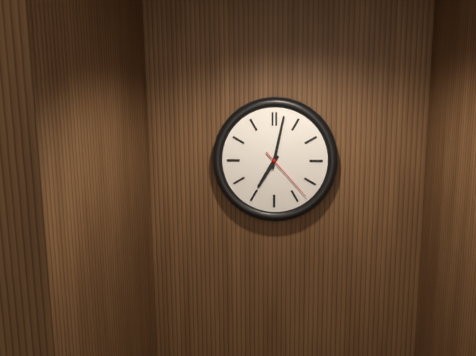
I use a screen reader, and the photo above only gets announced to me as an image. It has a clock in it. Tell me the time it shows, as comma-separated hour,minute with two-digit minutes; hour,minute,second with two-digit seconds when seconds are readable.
7,02,23
